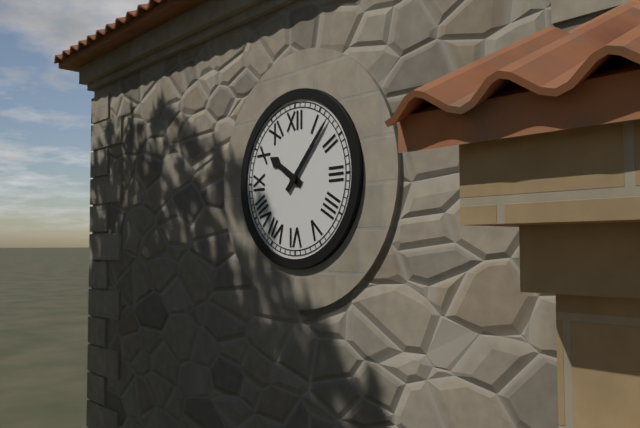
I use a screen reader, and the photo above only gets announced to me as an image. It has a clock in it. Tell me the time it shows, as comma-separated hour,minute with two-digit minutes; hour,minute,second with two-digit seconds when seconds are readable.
10,07
